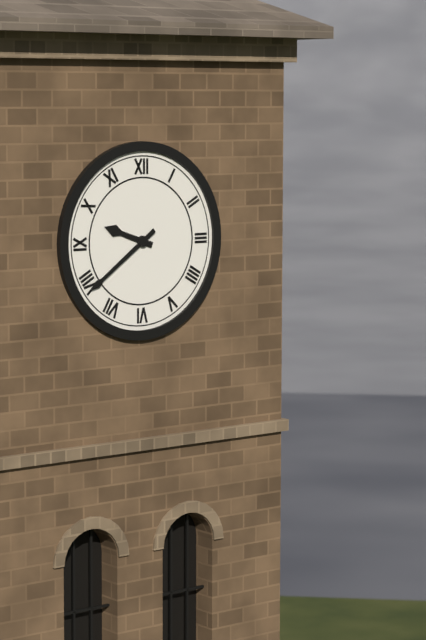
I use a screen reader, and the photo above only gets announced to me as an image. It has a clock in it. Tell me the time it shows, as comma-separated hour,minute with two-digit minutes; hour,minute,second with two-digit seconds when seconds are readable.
9,39
